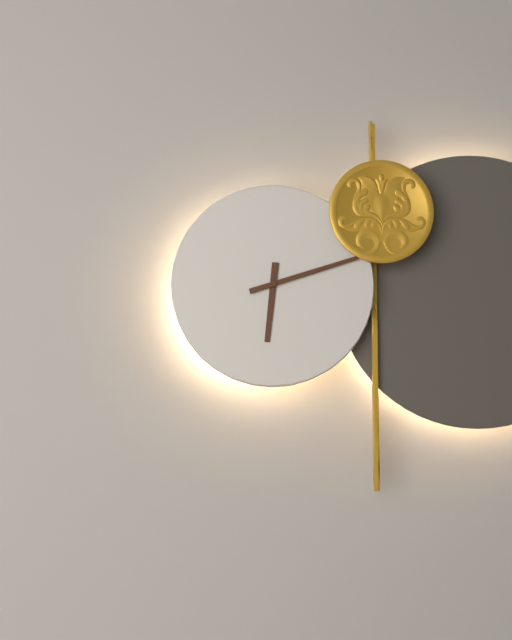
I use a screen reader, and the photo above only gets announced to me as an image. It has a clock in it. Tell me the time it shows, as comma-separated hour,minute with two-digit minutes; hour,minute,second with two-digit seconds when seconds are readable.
6,12
